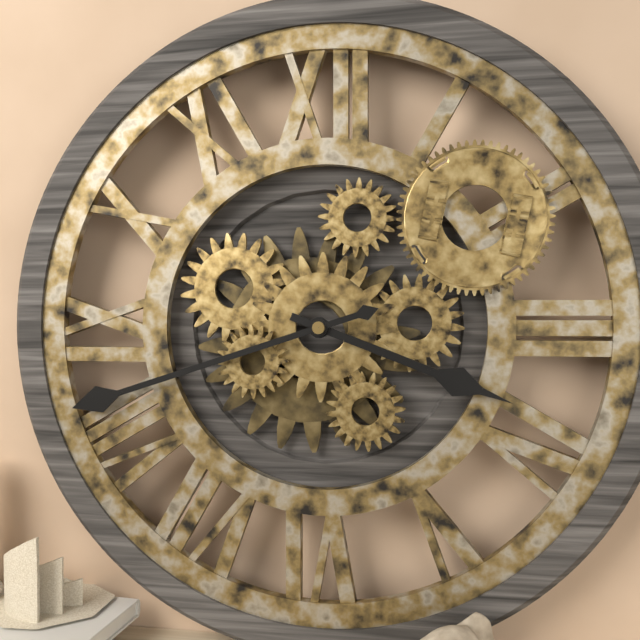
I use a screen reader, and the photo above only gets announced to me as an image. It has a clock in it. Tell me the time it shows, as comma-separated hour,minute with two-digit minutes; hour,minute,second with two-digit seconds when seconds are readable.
3,42
